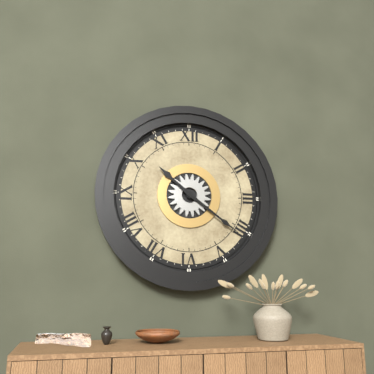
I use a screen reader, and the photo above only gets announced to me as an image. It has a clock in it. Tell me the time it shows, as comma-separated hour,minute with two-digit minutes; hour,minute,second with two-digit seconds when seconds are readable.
10,21
